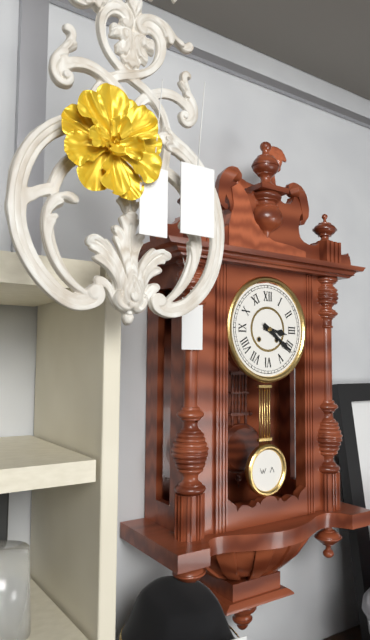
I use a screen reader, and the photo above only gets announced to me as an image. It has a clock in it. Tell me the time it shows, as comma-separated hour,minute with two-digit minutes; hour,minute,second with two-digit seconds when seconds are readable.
3,21
